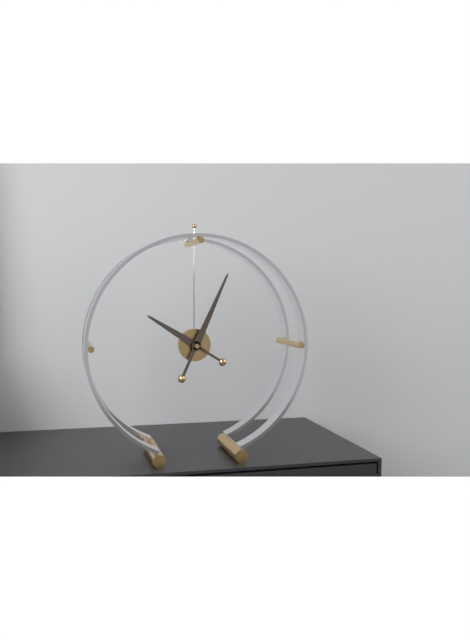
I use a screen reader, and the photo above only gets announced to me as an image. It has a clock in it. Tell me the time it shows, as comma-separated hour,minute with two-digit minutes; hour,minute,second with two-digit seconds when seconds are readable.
10,04
